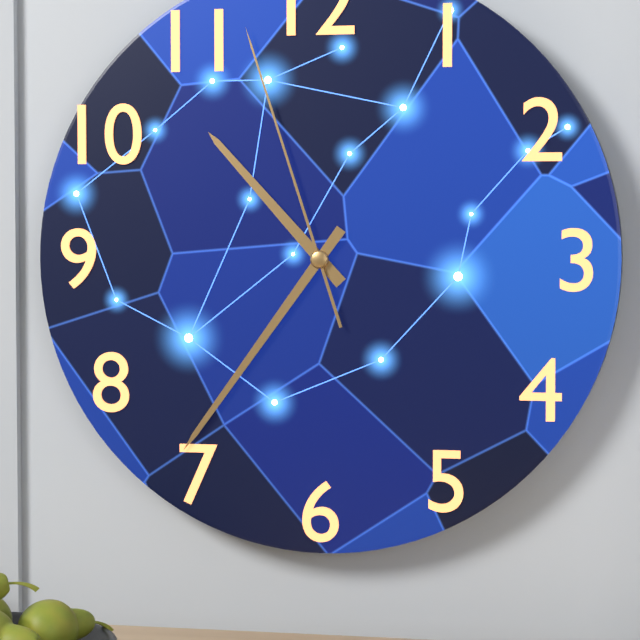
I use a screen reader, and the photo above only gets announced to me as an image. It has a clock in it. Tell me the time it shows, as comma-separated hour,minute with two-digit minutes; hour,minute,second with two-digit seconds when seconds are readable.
10,36,57
